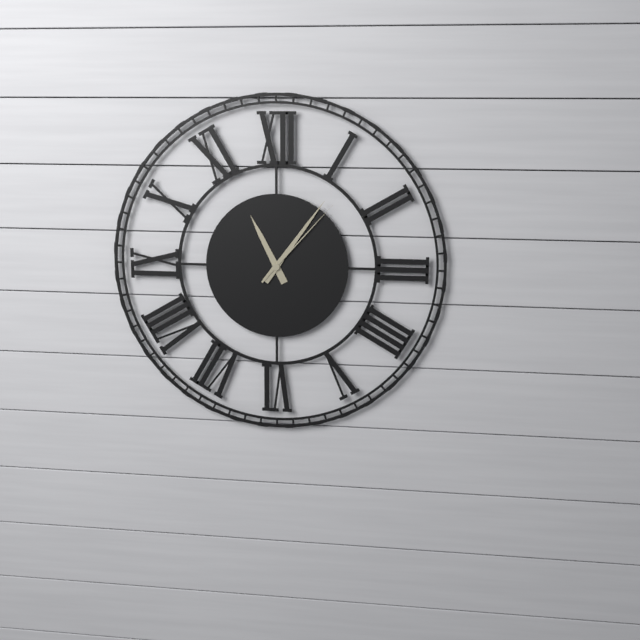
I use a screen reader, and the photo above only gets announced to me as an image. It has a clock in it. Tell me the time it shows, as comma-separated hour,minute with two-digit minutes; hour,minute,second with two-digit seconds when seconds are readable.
11,06,07
